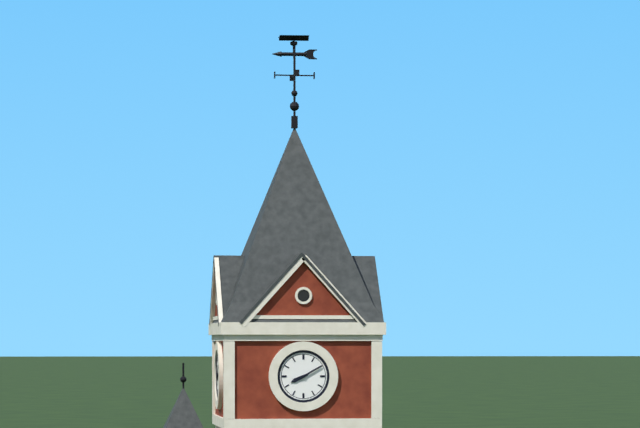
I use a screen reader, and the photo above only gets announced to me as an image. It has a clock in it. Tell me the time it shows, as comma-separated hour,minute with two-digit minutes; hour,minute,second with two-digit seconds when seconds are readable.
8,10
